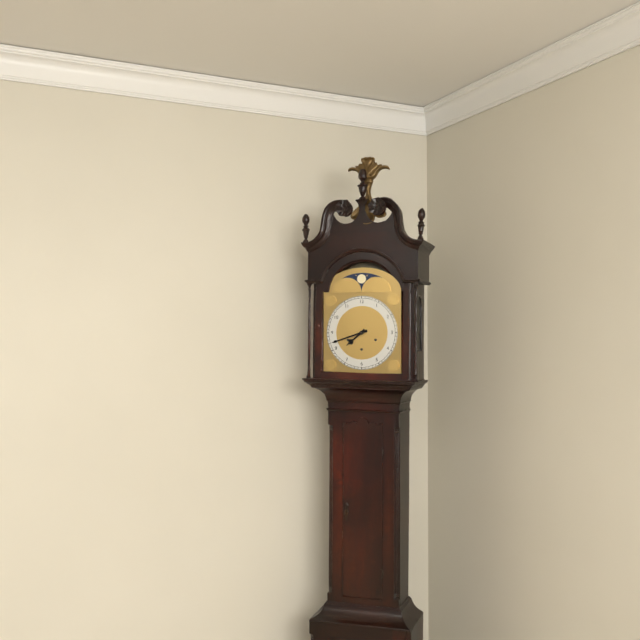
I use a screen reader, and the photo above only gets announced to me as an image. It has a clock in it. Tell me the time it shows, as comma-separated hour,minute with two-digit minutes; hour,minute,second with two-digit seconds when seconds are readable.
7,42
